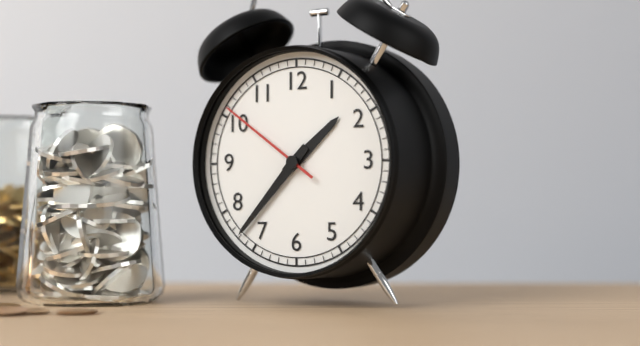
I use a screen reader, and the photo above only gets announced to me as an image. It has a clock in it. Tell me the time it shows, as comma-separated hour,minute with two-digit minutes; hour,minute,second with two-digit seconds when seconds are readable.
1,37,51
